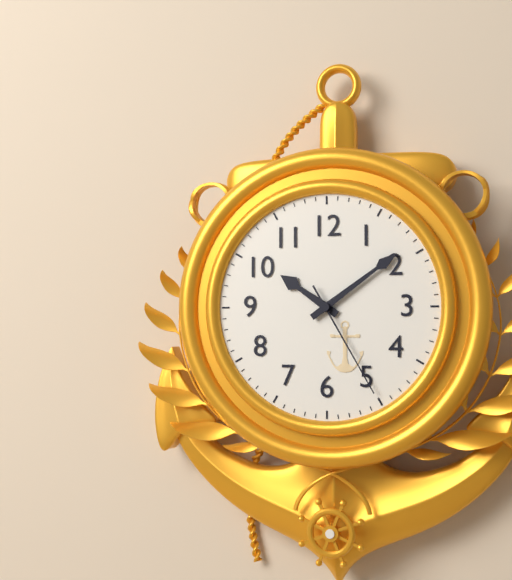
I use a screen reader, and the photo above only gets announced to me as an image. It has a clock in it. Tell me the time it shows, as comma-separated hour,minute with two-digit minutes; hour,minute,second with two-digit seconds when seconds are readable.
10,09,25
